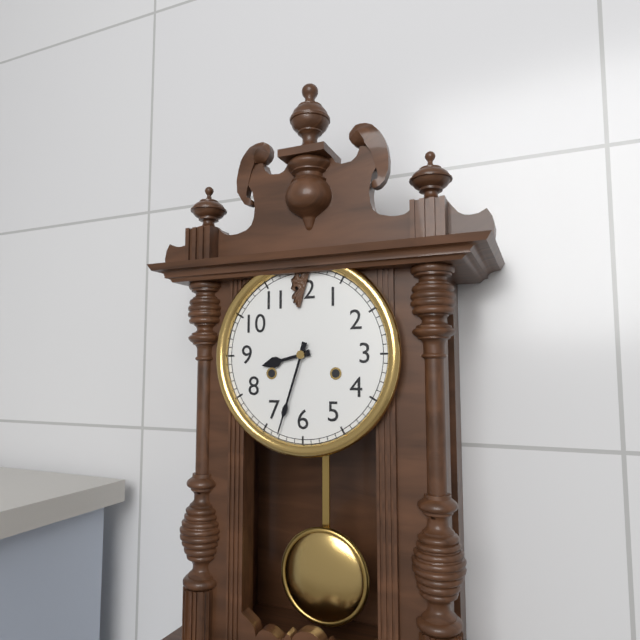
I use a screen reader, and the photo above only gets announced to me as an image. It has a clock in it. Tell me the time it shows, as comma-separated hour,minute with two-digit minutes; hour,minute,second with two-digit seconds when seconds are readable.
8,33
